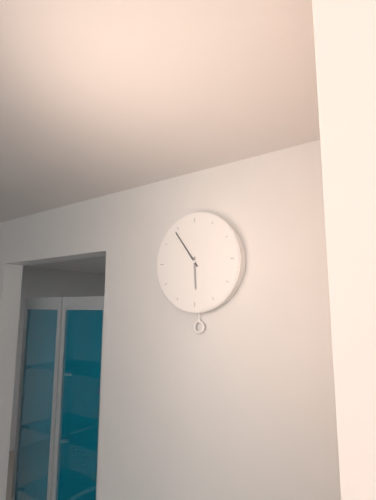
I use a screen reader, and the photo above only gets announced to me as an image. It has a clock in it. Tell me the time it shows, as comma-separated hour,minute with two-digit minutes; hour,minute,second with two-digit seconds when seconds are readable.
5,54
